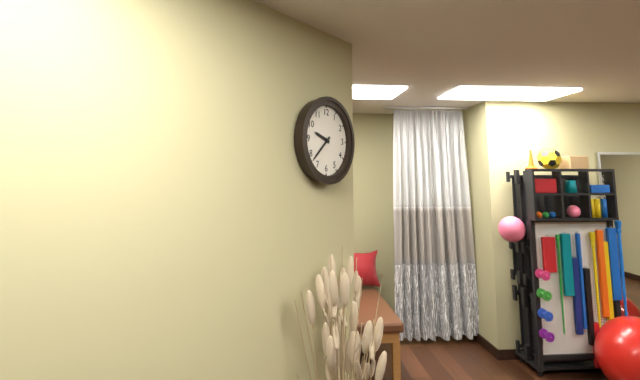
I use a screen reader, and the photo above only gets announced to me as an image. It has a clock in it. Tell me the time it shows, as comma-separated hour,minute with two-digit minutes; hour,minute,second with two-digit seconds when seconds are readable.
9,38
